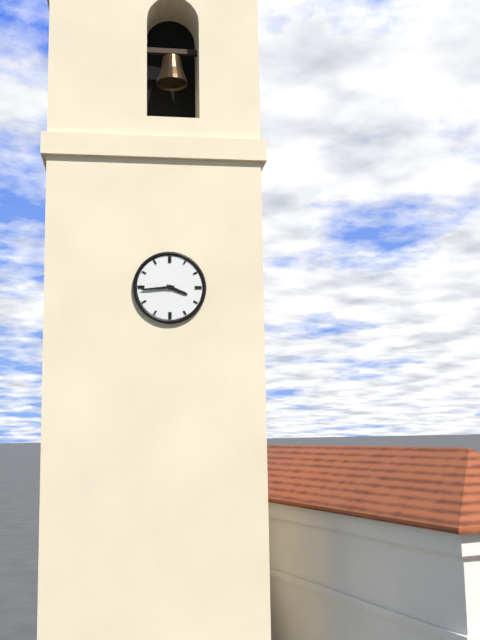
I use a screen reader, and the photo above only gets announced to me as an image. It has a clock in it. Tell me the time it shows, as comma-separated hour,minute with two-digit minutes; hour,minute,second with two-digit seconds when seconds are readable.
3,44
